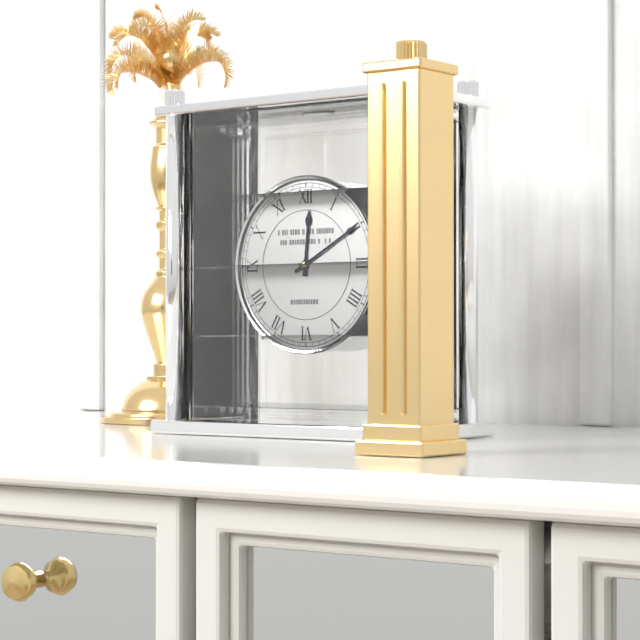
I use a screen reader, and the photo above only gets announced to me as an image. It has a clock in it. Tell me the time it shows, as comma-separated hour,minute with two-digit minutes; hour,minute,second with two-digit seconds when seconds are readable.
12,10
